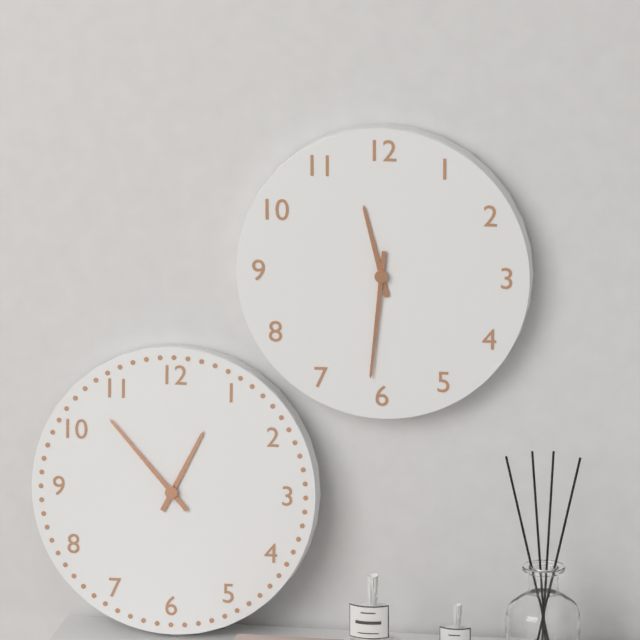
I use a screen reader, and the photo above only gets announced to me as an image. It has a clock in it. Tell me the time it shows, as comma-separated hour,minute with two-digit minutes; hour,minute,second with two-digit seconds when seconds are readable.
11,31
